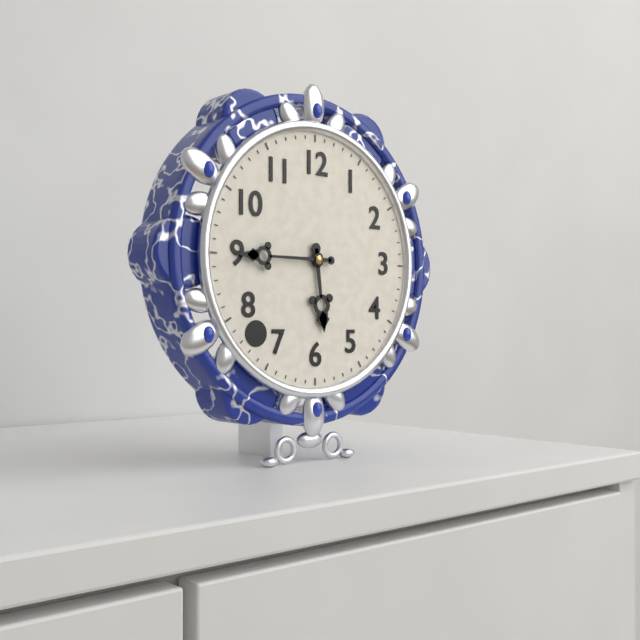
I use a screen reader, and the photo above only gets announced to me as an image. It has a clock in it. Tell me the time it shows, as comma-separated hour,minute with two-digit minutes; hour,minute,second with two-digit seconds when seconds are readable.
5,45
